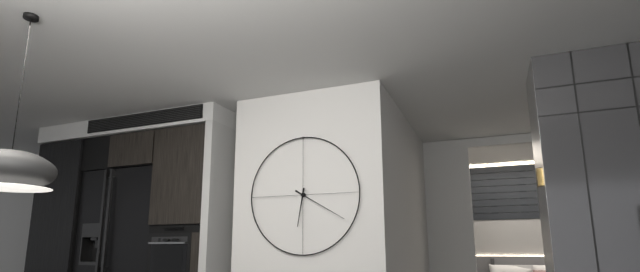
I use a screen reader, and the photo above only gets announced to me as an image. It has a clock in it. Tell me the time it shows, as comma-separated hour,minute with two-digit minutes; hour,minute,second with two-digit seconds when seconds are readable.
6,20
